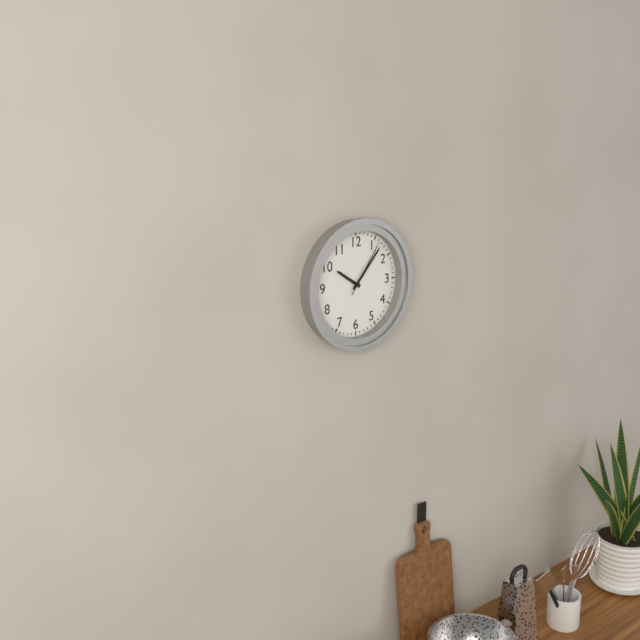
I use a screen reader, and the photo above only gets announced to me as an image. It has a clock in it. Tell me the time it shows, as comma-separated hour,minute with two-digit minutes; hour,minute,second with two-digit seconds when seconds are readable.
10,07,06
